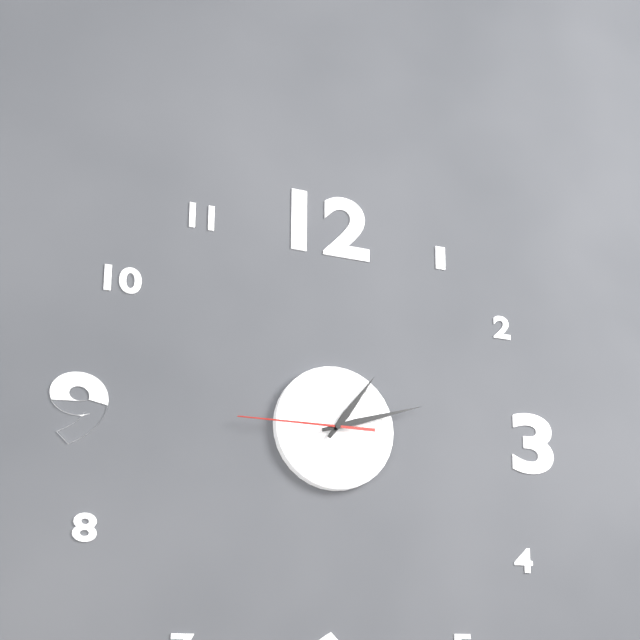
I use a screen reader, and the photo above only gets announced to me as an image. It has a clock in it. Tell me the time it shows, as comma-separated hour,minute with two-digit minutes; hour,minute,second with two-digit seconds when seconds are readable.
1,12,45
